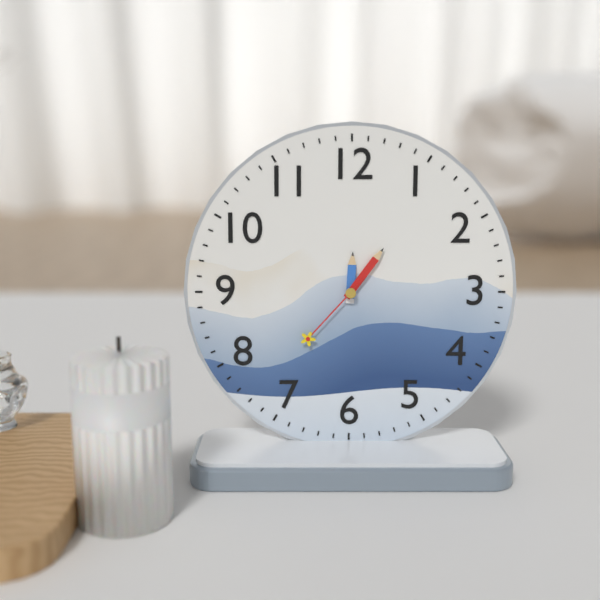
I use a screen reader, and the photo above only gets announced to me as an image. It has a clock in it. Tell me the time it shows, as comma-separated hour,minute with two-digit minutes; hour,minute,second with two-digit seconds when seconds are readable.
12,06,37
